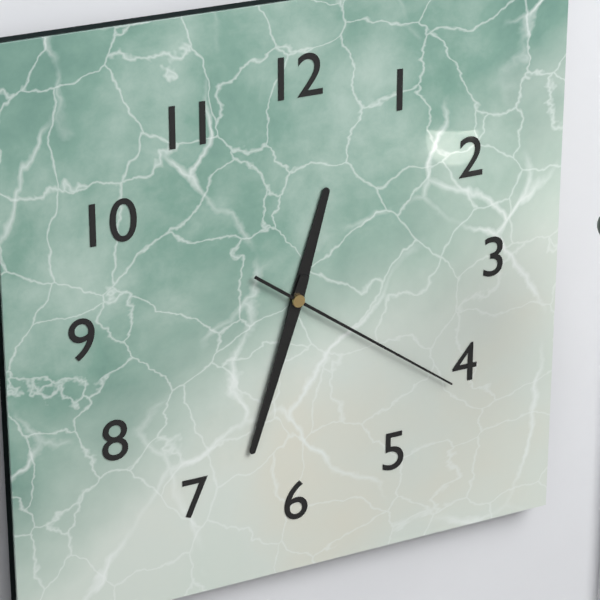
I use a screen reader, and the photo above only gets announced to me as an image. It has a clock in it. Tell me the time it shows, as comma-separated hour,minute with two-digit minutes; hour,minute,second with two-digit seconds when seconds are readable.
12,33,21
